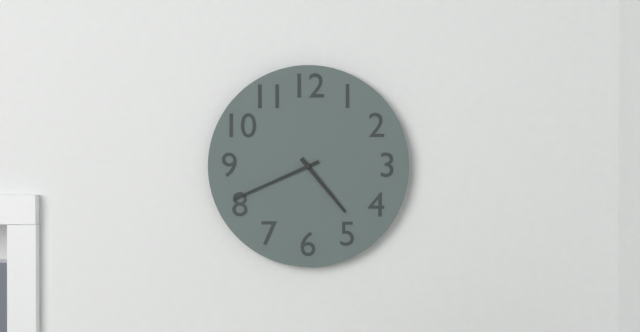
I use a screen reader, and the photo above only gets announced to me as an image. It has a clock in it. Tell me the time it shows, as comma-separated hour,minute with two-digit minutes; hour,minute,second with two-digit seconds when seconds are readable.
4,41
